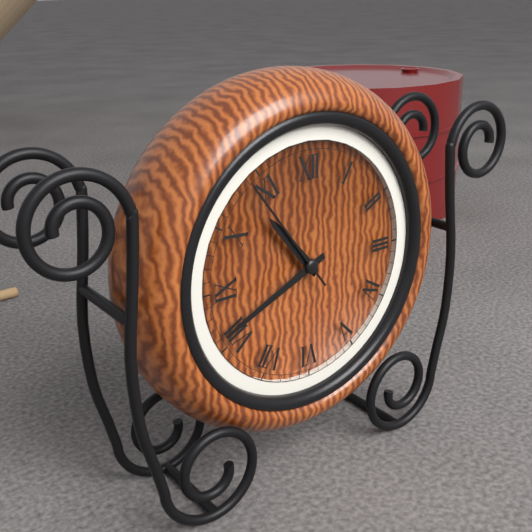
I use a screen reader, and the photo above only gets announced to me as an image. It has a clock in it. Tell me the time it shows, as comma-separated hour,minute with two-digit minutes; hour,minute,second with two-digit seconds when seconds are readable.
10,41,54
